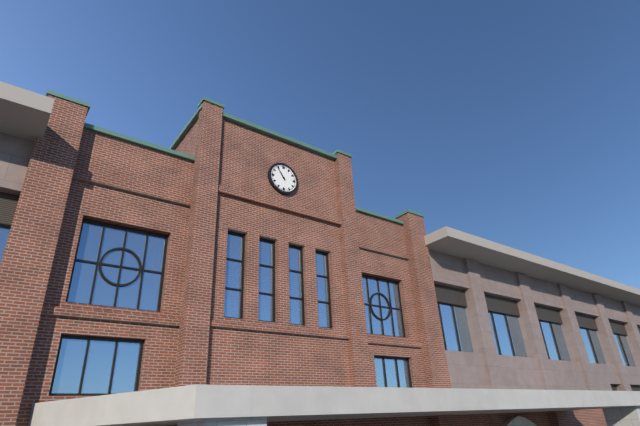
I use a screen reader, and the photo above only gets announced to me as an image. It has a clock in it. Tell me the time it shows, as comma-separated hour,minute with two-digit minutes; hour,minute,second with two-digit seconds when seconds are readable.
10,54
